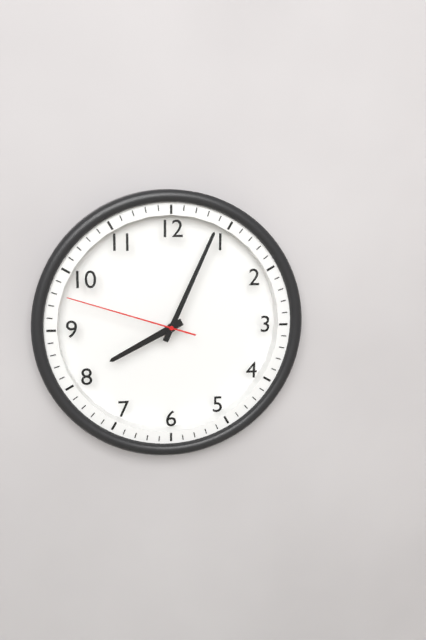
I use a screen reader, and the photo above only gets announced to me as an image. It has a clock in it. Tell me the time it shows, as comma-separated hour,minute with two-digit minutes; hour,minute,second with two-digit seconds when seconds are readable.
8,04,48
